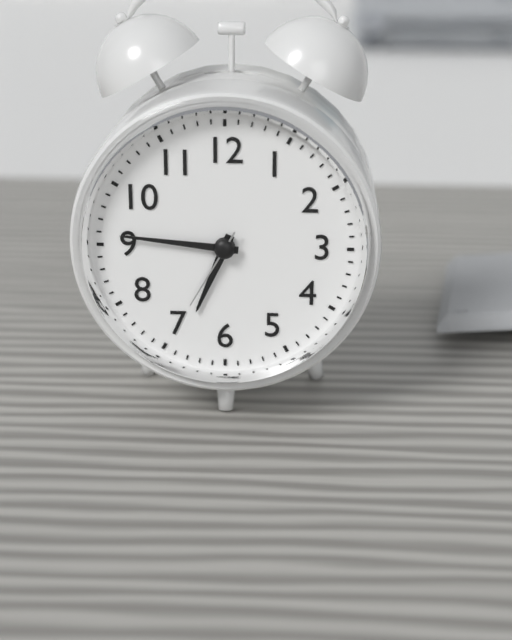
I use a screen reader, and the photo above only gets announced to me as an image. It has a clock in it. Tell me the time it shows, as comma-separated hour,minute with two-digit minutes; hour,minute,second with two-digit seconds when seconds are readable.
6,46,35
